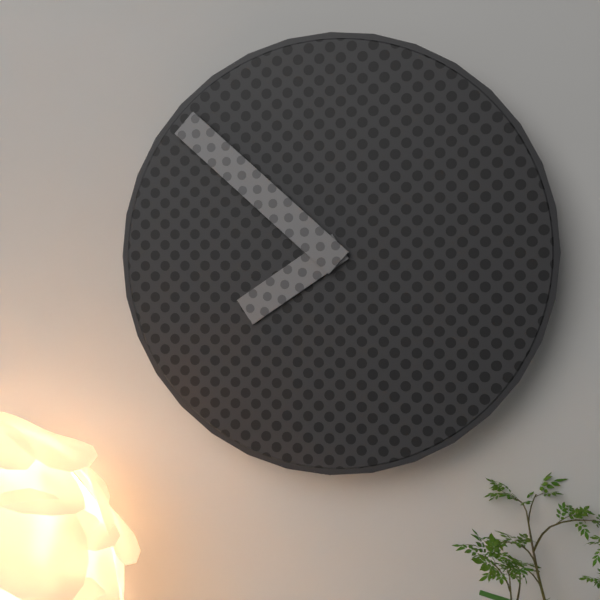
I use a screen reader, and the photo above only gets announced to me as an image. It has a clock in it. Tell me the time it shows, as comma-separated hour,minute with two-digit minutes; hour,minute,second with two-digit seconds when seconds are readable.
7,52
